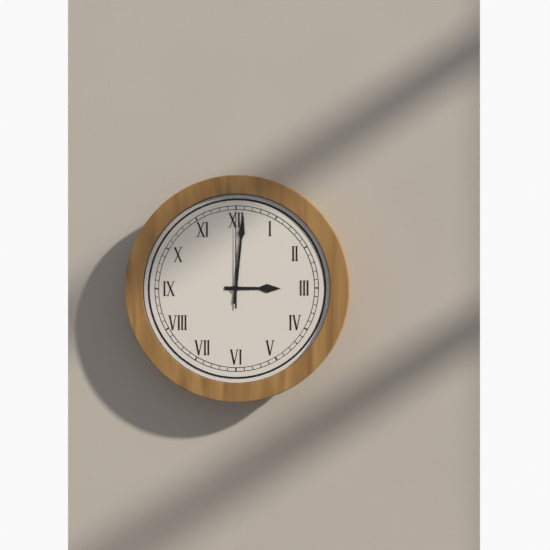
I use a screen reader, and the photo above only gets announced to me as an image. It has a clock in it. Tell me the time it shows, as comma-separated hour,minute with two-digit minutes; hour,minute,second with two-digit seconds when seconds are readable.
3,01,00
